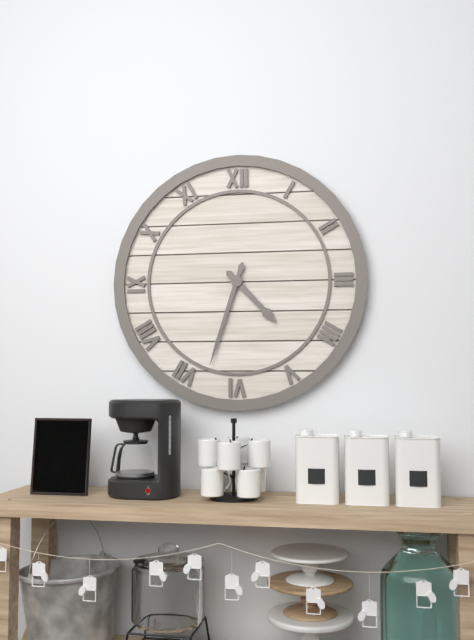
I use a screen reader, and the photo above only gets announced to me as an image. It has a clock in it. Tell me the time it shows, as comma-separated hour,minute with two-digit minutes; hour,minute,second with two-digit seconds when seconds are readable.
4,33
